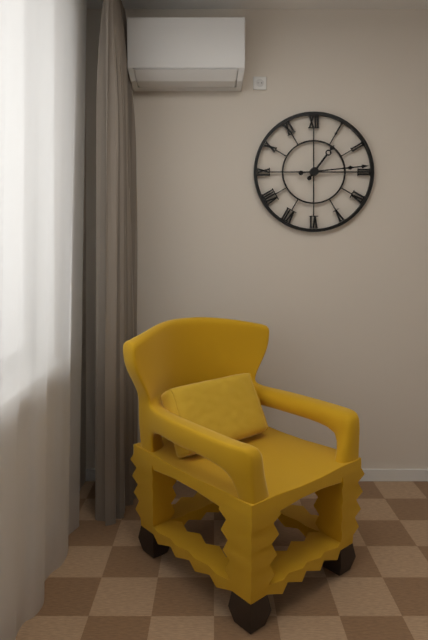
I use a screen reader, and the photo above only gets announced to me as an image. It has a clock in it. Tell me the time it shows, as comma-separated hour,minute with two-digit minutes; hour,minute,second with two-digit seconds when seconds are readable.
1,14
